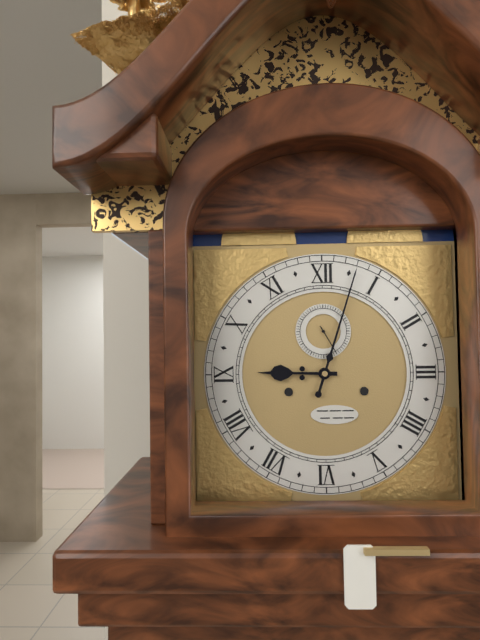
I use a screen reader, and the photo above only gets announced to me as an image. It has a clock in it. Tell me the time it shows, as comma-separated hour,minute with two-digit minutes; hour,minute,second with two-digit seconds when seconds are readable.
9,03
